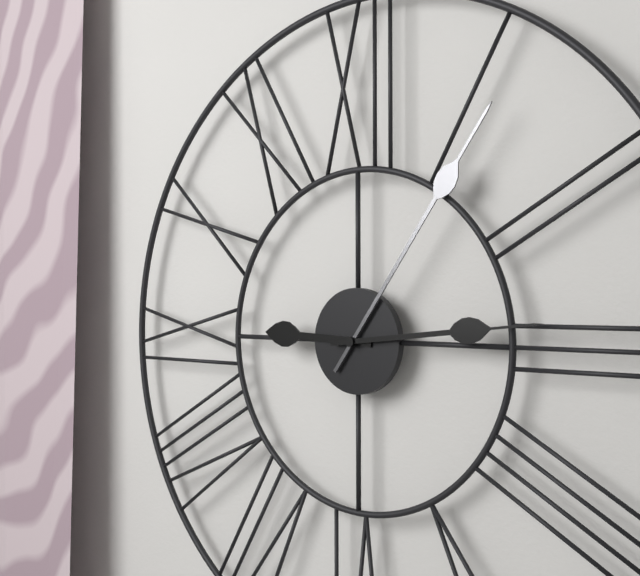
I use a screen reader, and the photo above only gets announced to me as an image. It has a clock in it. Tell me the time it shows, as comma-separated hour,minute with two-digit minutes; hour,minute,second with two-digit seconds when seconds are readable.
9,06,14
